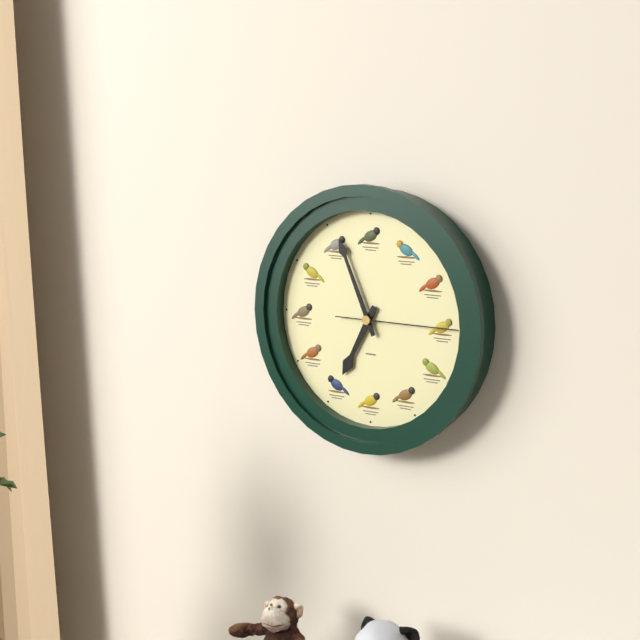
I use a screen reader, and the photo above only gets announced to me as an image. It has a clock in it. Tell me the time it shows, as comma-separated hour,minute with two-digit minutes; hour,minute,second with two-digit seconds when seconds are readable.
6,56,15
